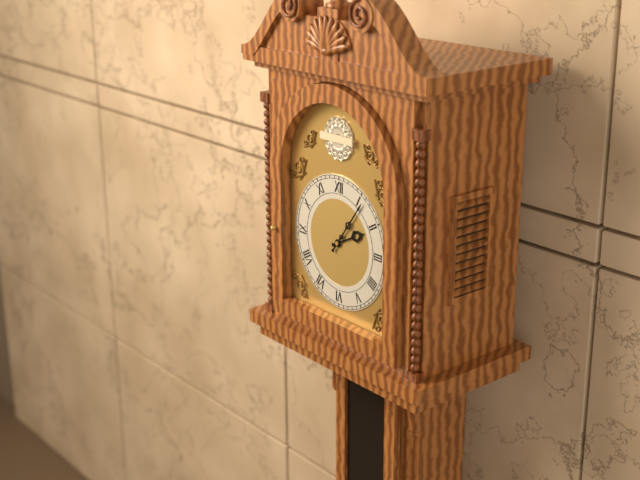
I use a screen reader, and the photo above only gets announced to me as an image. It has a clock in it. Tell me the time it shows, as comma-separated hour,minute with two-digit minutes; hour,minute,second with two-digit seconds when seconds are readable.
2,06
